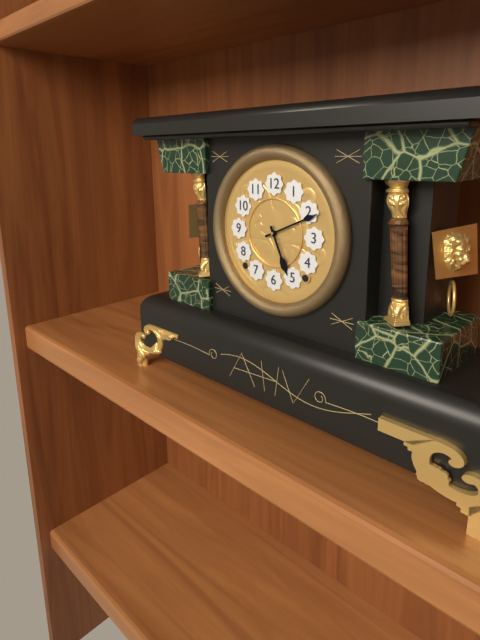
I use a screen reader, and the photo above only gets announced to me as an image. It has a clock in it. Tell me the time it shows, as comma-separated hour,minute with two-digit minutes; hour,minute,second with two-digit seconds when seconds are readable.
5,11
